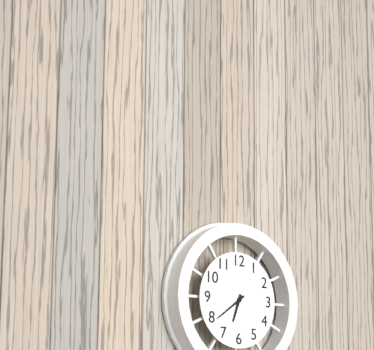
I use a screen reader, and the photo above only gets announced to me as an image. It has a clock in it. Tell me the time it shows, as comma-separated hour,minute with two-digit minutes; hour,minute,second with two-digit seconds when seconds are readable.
6,39
